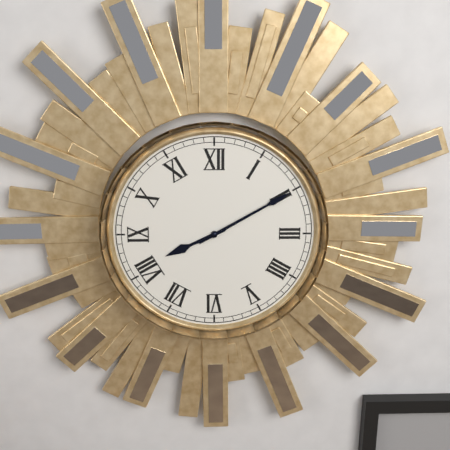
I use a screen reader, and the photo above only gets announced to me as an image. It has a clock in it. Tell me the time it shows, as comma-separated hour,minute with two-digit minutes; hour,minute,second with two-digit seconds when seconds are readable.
8,10
